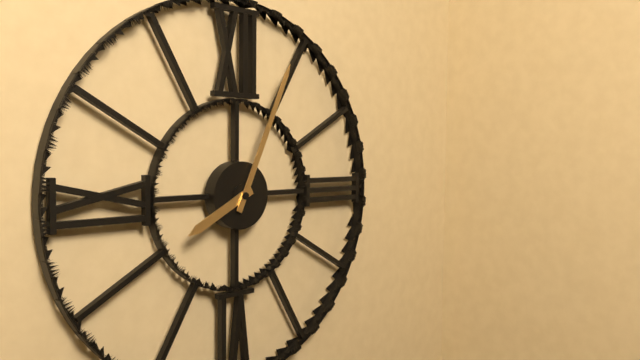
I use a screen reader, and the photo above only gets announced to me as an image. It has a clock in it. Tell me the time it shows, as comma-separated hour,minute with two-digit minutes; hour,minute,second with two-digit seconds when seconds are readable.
8,04
